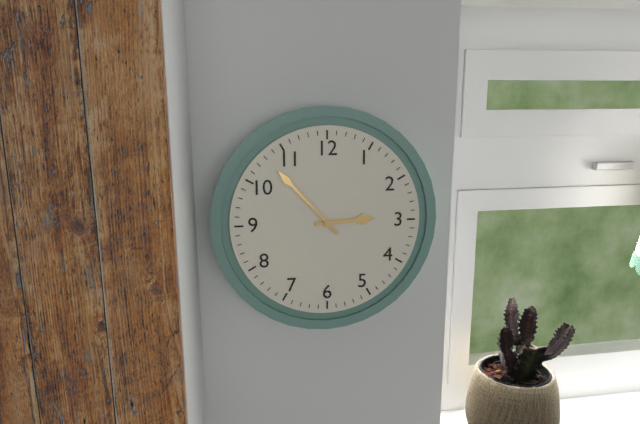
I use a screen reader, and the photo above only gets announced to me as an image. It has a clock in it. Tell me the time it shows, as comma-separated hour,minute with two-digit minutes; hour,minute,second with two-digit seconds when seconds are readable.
2,53
